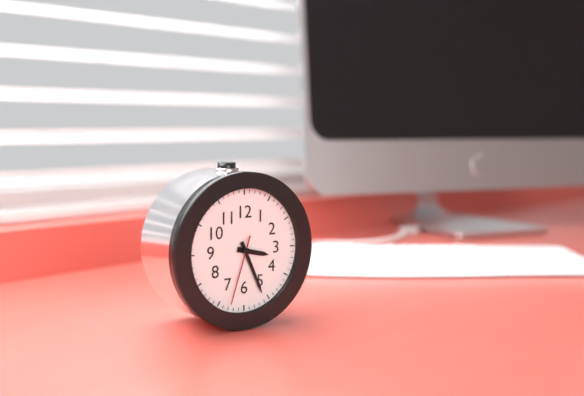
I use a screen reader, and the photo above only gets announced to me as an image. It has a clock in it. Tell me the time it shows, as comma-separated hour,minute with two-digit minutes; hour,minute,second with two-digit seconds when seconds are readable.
3,26,33
